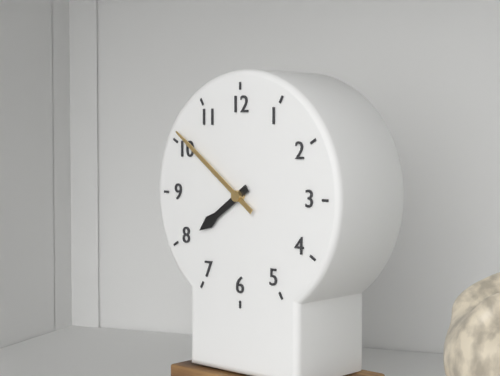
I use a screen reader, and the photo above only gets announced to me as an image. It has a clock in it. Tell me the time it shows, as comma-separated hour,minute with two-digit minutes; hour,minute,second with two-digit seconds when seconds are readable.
7,51
